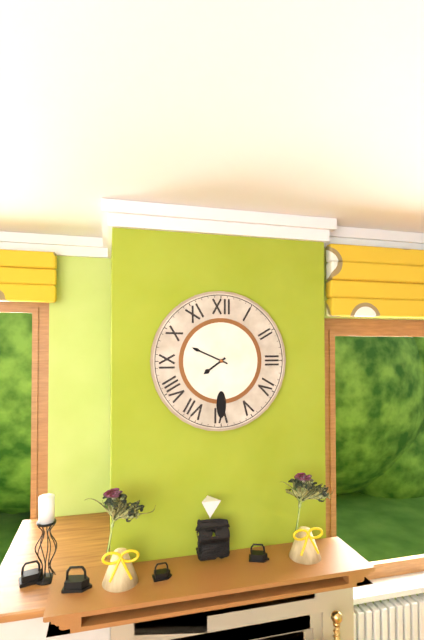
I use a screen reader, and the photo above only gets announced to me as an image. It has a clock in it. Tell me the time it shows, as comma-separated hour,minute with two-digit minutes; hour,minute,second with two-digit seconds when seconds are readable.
7,49
